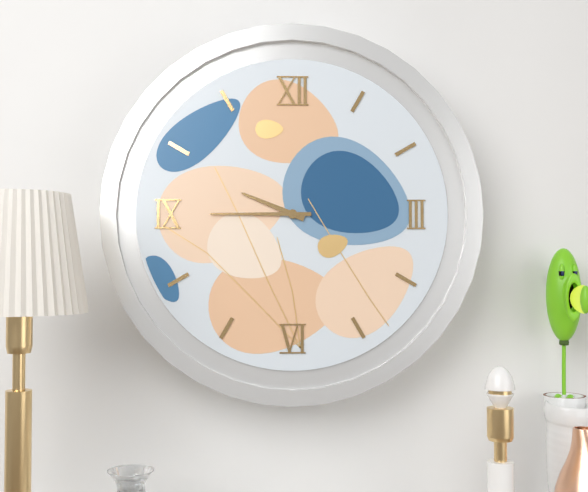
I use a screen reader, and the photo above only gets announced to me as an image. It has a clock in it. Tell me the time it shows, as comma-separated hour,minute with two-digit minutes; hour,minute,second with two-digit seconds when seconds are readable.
9,45
